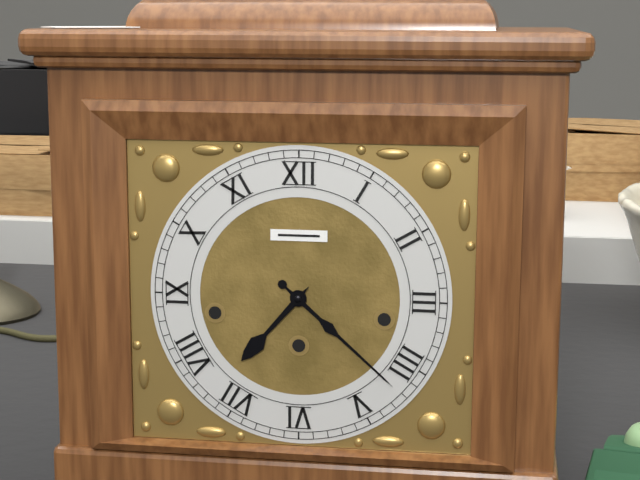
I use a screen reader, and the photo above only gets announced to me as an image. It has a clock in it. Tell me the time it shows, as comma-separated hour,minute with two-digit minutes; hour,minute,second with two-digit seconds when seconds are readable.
7,22
